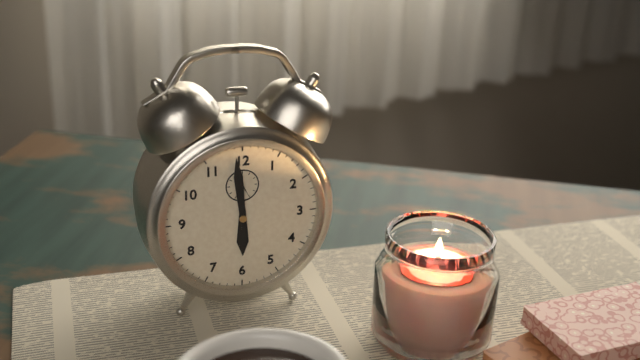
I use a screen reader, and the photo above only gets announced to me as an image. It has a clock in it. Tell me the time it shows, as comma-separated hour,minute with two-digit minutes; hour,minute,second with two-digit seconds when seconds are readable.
5,59
